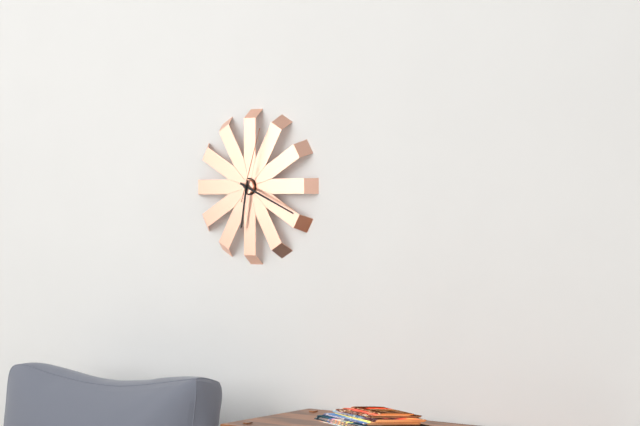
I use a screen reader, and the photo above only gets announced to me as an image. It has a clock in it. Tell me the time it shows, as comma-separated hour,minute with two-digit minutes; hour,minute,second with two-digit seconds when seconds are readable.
6,19,03
